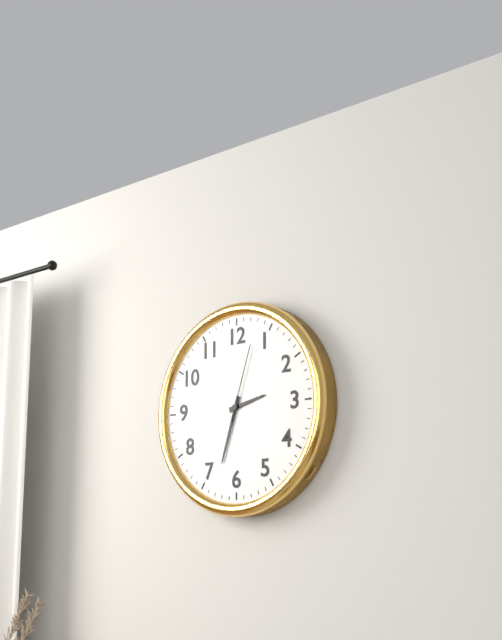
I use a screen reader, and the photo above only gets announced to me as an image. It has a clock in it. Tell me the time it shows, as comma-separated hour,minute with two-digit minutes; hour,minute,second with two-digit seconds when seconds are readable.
2,33,03
